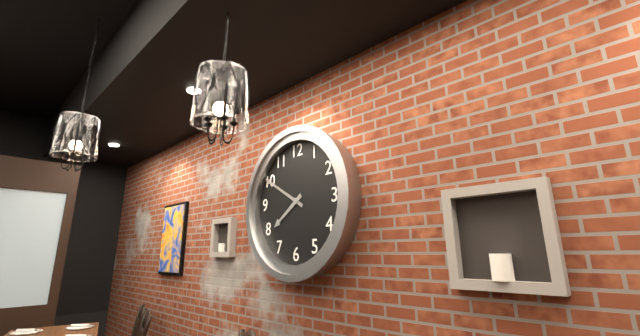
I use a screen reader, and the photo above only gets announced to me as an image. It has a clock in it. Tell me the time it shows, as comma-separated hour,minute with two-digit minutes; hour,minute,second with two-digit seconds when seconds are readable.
7,50
